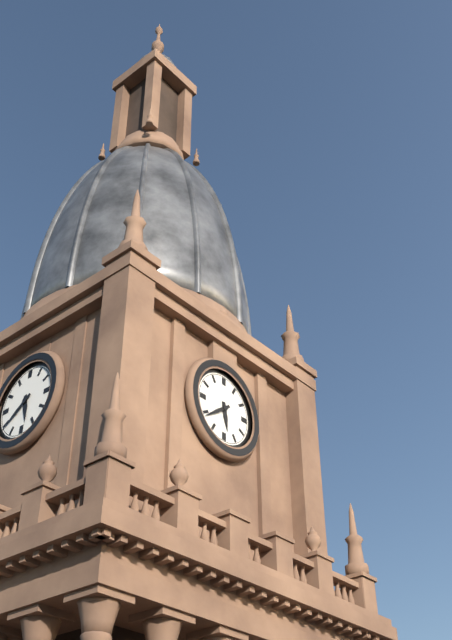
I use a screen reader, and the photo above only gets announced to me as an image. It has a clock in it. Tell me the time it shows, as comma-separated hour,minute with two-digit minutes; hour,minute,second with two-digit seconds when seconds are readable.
5,39
